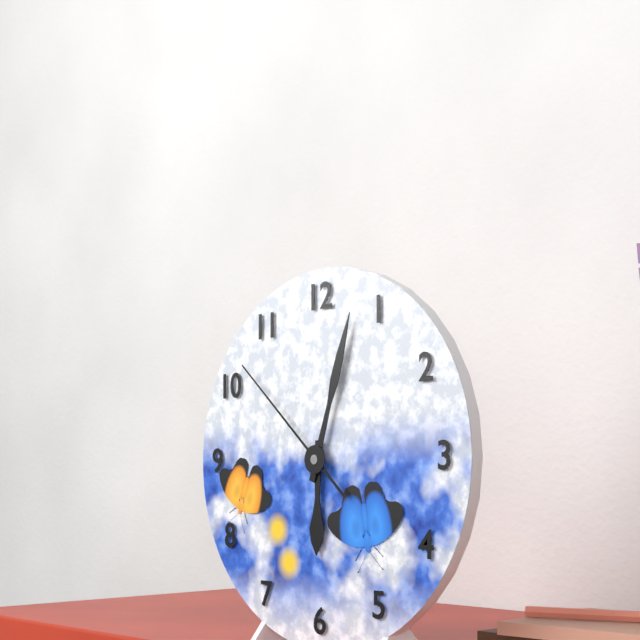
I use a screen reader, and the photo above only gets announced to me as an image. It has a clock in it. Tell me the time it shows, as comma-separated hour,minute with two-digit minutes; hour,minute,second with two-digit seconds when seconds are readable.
6,03,52
